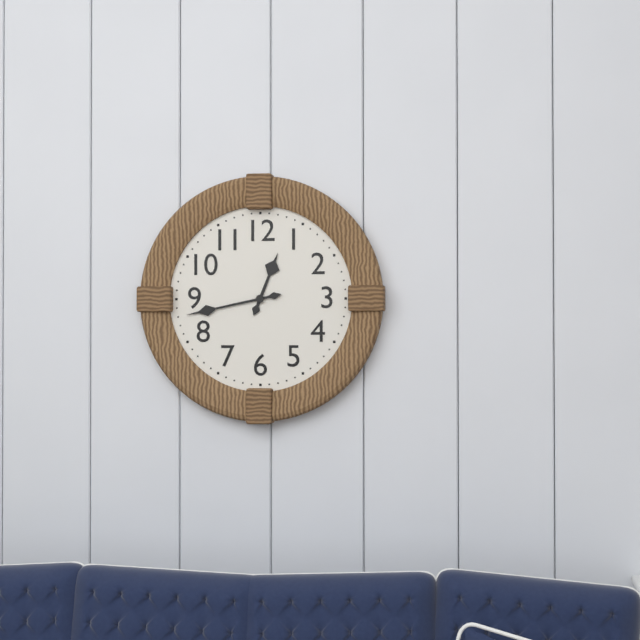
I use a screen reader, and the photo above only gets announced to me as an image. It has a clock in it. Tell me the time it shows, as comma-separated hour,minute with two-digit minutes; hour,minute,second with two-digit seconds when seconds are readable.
12,43
